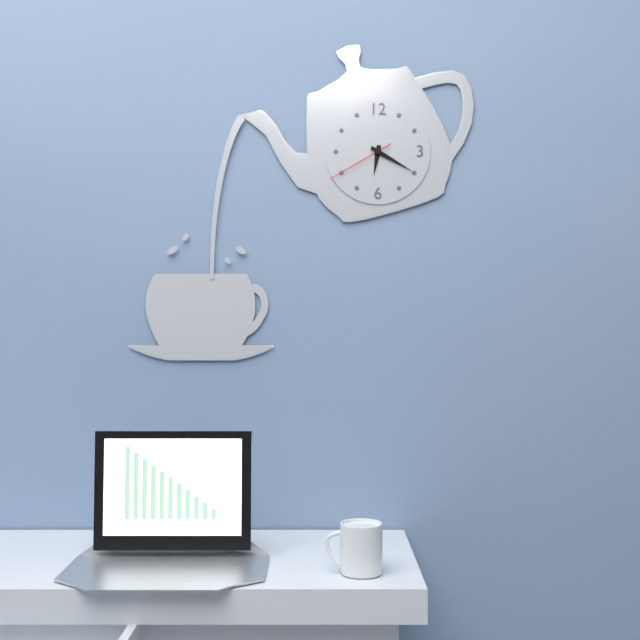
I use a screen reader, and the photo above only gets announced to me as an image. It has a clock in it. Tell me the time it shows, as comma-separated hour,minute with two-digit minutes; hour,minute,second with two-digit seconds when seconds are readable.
6,20,40
